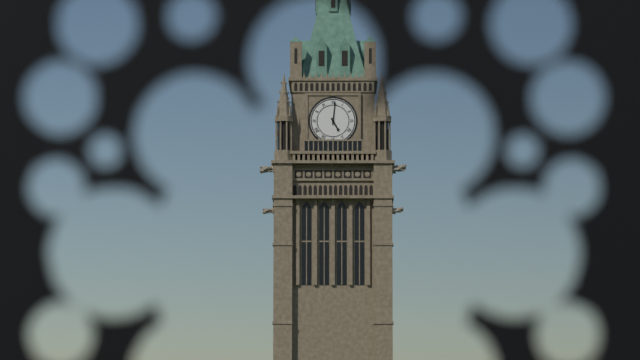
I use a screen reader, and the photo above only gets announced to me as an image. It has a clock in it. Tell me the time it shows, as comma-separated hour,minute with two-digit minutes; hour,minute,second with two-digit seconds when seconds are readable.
5,01
